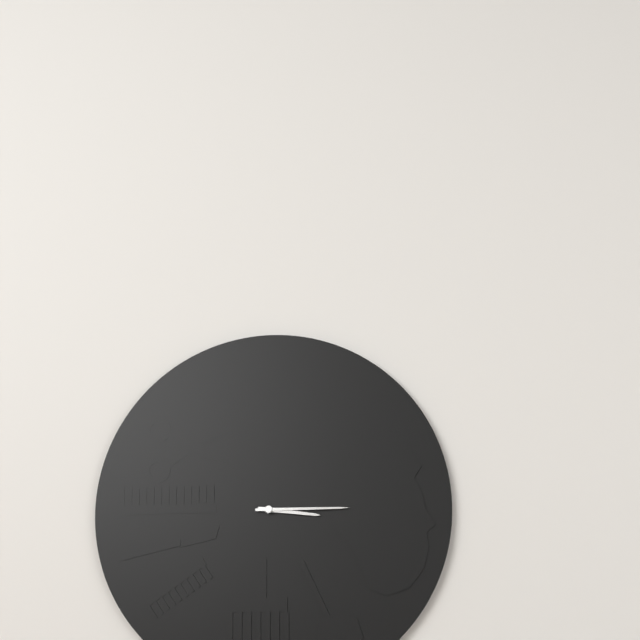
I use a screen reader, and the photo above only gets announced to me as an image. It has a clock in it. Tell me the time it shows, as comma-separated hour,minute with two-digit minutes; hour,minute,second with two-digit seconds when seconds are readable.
3,15
